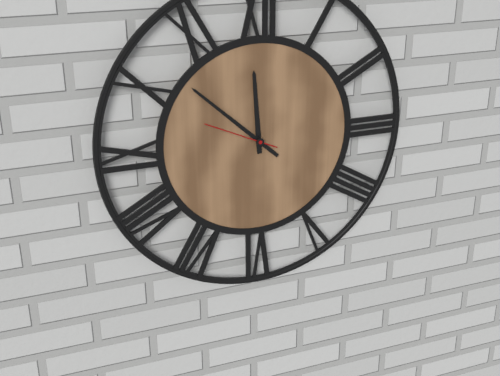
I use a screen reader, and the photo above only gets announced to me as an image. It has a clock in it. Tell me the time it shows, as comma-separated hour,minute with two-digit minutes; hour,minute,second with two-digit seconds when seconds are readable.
11,52,49
